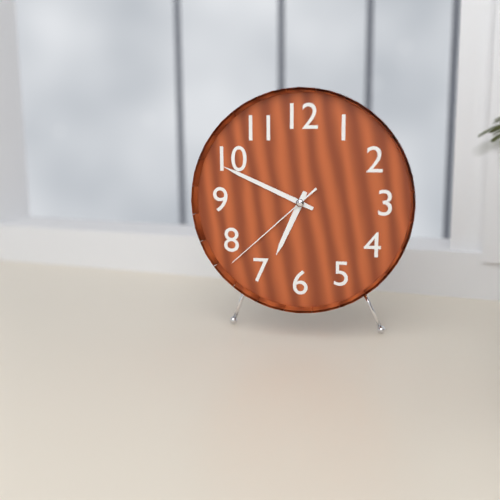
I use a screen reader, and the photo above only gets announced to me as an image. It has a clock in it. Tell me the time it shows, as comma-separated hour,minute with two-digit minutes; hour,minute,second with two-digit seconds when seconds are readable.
6,49,38
